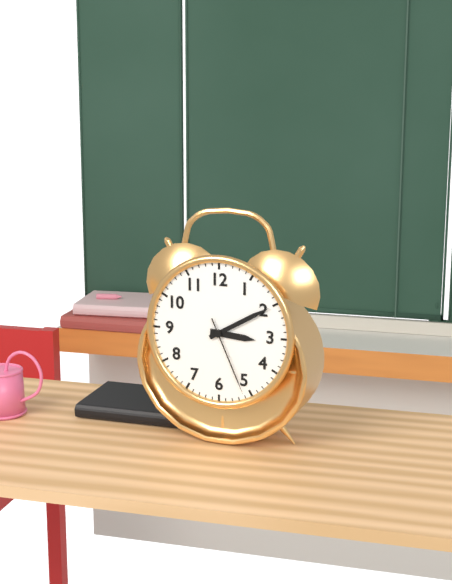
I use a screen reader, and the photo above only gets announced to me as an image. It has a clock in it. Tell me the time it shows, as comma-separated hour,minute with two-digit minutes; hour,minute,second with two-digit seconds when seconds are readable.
3,10,26
